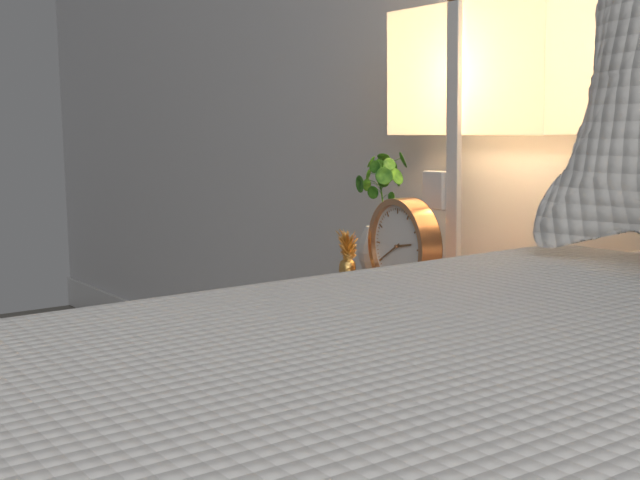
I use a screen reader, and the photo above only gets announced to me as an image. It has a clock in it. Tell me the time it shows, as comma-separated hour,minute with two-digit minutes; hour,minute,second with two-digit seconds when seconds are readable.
2,40
